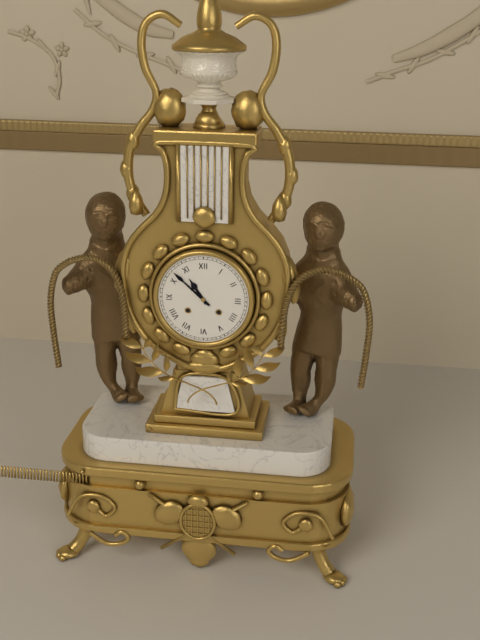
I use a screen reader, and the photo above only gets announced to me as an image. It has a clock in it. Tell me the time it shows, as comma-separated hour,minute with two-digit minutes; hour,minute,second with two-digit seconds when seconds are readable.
10,52
